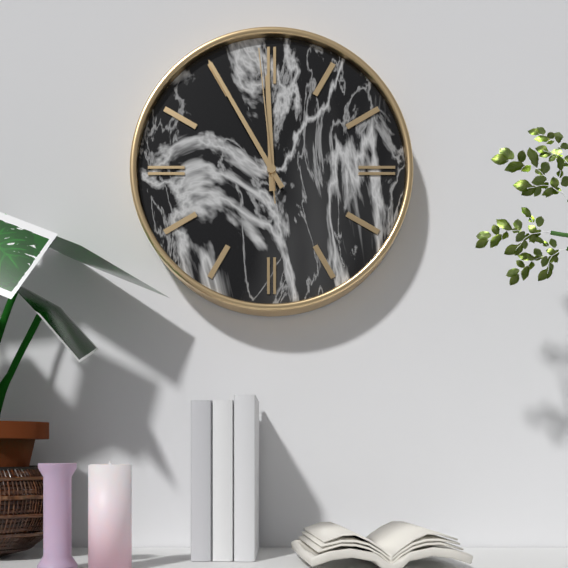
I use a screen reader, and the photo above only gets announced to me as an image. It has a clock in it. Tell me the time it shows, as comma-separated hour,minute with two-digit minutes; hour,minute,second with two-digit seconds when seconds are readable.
11,55,59
